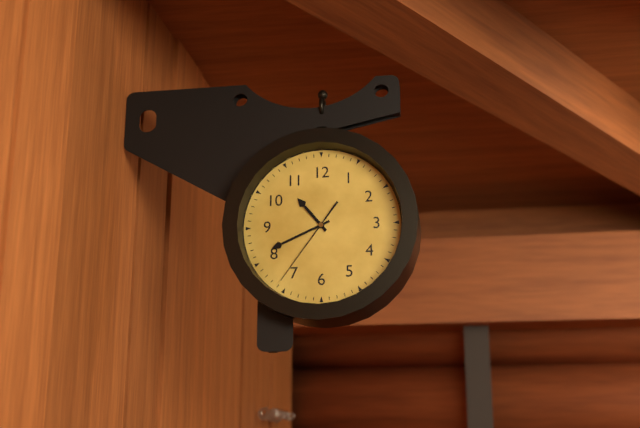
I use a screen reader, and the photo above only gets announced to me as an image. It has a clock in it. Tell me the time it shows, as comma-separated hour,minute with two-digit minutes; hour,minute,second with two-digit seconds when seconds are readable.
10,41,36
